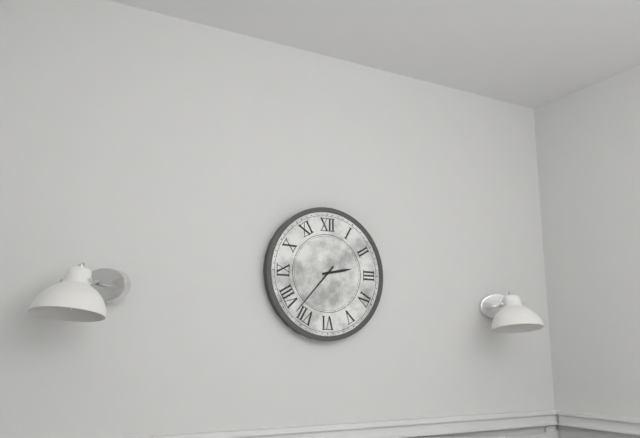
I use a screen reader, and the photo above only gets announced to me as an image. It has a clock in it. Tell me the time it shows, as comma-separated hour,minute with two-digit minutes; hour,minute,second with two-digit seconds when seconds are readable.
2,37
